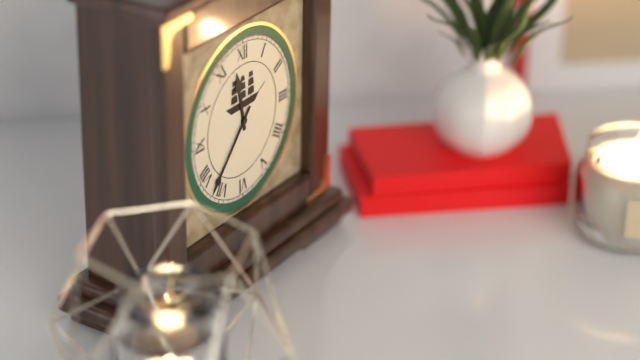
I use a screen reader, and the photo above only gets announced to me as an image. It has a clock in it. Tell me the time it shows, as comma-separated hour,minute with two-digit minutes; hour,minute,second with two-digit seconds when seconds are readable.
11,37
